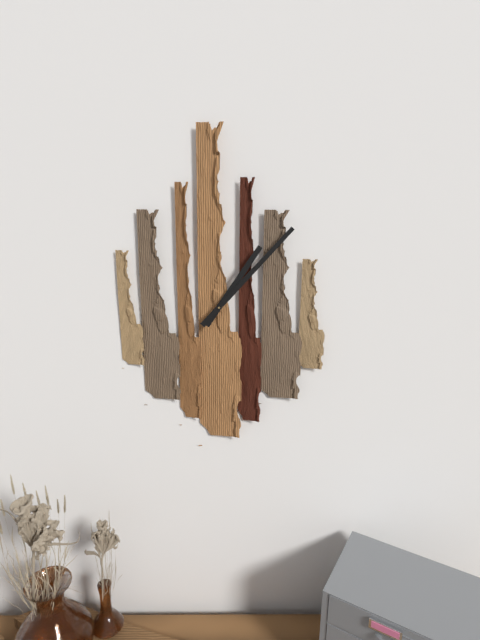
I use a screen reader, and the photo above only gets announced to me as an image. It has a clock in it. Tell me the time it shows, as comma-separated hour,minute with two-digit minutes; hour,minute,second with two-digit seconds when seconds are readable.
1,07
